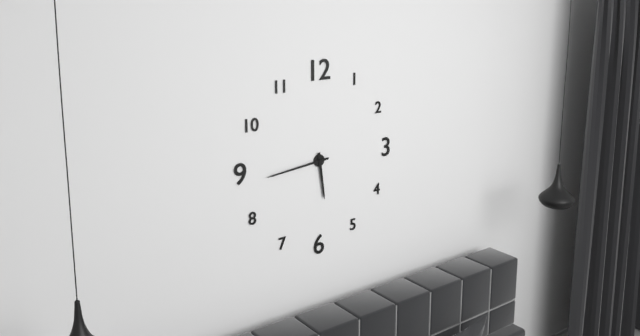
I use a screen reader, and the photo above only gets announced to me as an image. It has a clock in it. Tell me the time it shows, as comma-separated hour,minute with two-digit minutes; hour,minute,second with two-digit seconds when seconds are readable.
5,44
